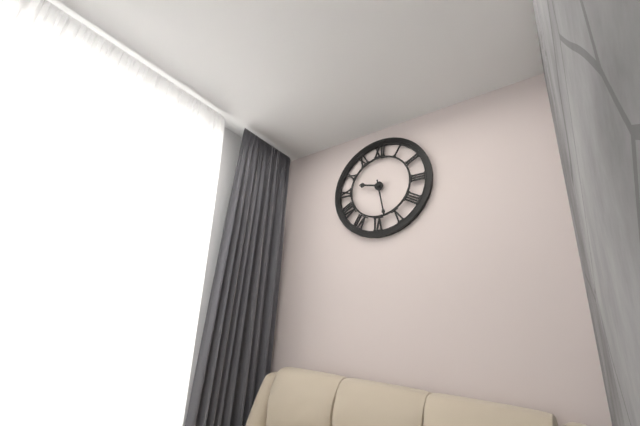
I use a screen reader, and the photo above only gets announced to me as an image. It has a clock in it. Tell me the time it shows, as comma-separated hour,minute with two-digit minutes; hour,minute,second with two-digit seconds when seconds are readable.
9,28
